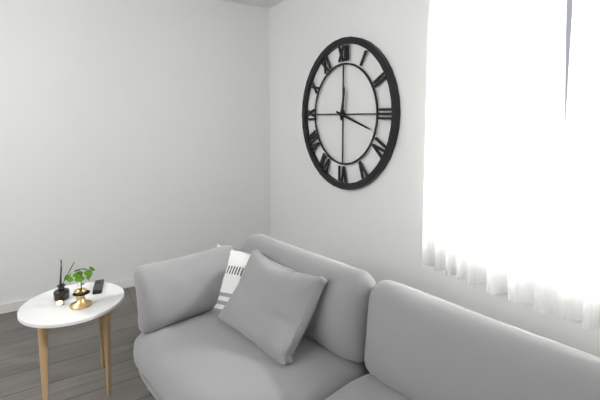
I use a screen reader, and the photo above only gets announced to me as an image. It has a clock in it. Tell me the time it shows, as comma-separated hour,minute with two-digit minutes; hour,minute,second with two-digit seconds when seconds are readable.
12,18
